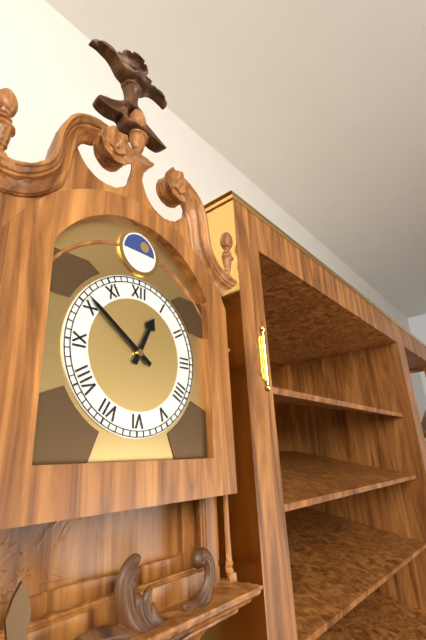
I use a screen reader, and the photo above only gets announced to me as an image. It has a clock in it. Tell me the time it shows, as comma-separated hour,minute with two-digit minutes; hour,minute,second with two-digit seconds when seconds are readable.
12,51
